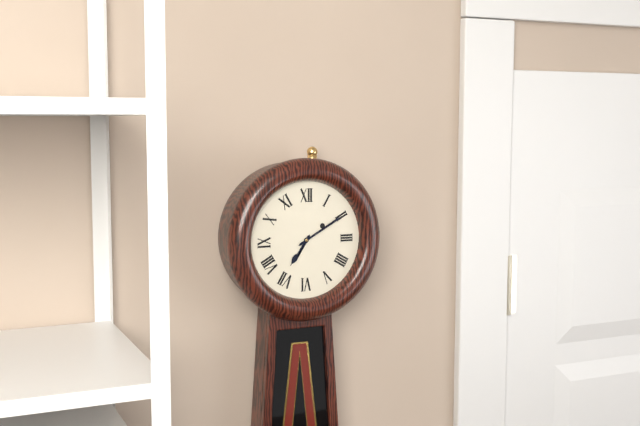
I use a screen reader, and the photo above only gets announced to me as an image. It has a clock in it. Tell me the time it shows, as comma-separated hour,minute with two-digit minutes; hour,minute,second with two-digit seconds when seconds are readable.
7,10
